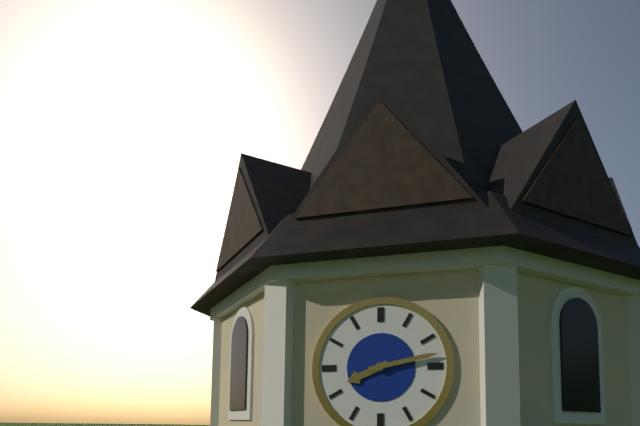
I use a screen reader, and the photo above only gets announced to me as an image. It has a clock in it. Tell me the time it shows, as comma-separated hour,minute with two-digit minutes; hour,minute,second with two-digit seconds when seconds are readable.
8,13
